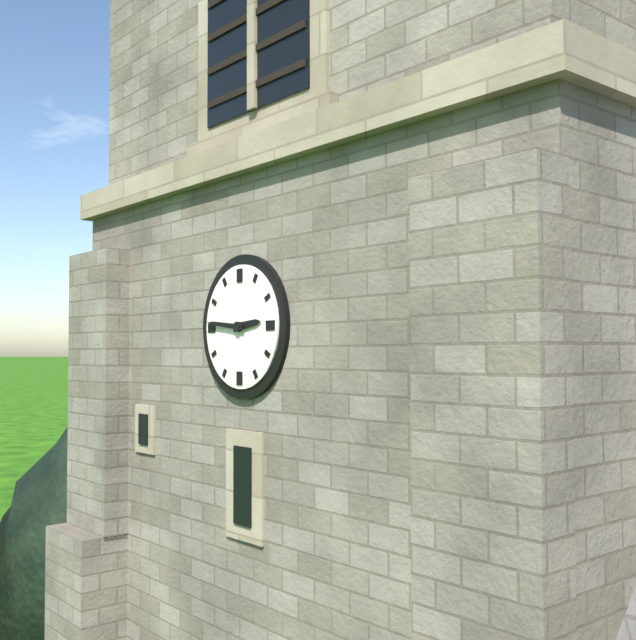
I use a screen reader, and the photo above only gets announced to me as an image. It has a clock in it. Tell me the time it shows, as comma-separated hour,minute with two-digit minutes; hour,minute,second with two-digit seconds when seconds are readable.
2,46
